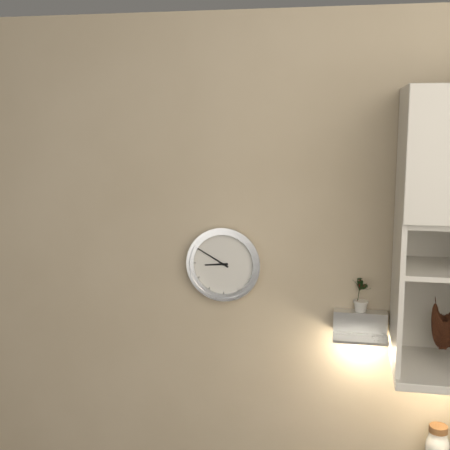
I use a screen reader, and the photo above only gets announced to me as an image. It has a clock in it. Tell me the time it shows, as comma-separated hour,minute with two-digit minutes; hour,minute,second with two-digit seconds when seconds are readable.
8,50
